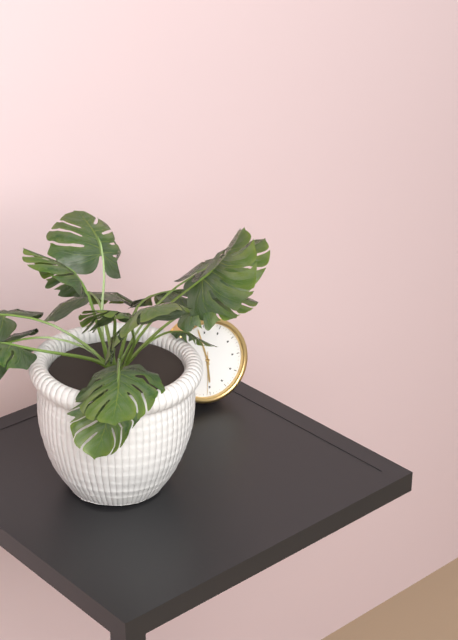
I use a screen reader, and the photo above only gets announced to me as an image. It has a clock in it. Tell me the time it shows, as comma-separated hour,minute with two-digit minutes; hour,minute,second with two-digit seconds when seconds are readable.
5,58
